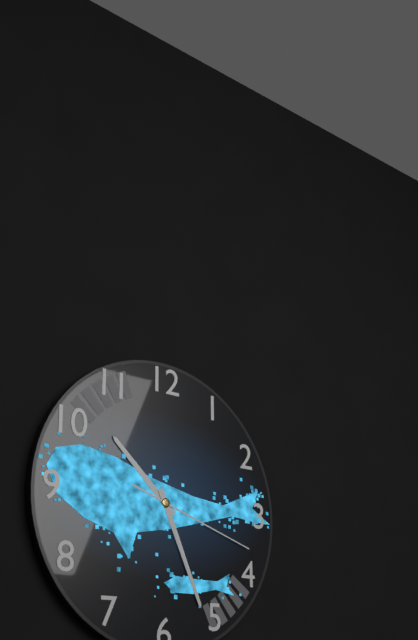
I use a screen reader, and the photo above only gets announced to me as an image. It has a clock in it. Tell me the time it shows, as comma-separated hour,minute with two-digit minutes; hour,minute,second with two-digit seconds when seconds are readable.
10,26,18
